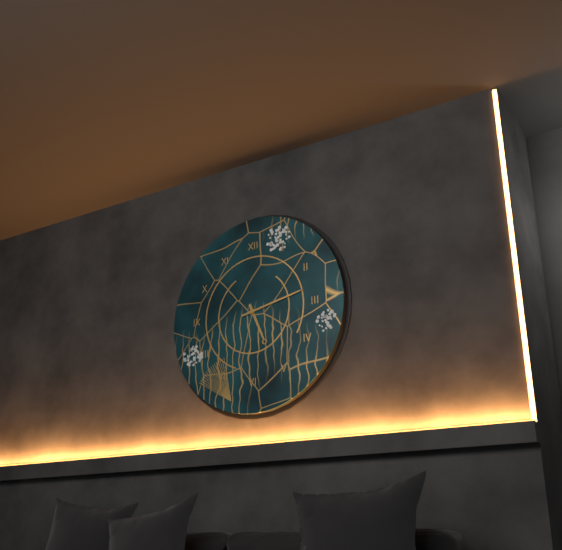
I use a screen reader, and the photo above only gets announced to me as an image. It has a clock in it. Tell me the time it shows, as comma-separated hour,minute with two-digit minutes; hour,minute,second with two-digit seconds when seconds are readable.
5,13
